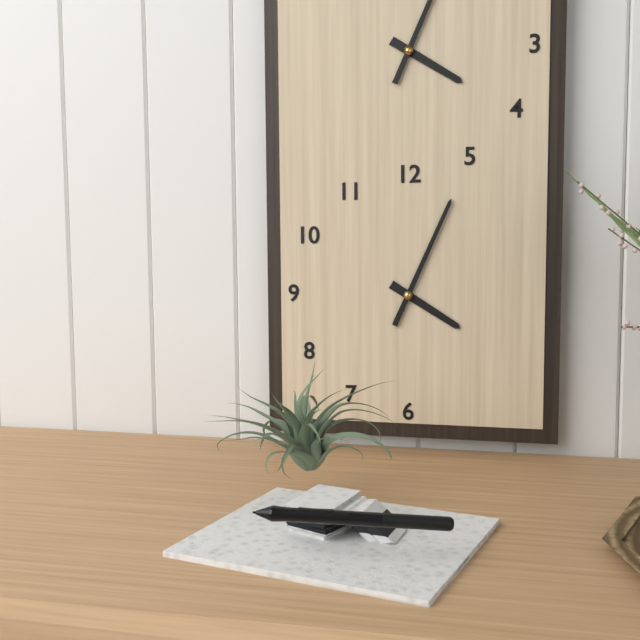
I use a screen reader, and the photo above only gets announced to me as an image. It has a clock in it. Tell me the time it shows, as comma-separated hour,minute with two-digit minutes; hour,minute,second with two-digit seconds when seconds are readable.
4,04
